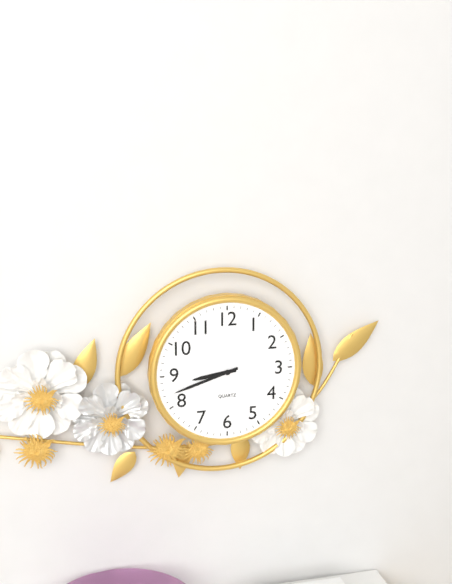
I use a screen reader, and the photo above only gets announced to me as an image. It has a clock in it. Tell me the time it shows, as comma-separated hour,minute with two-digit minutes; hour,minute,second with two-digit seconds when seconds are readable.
8,42
